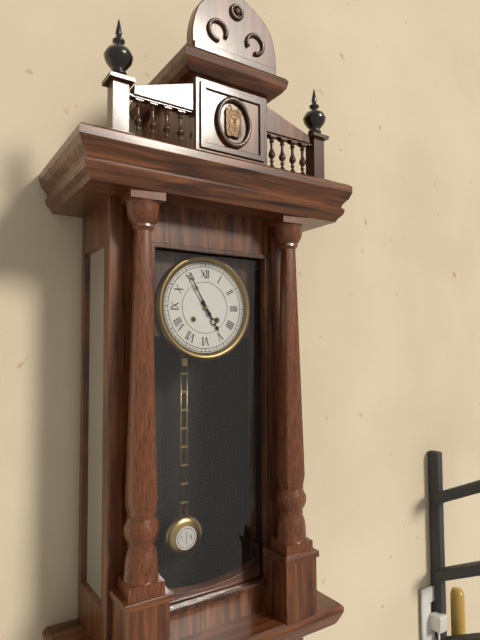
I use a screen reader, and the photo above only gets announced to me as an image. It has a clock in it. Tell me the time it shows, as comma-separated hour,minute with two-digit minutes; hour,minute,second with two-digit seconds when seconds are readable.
4,55
